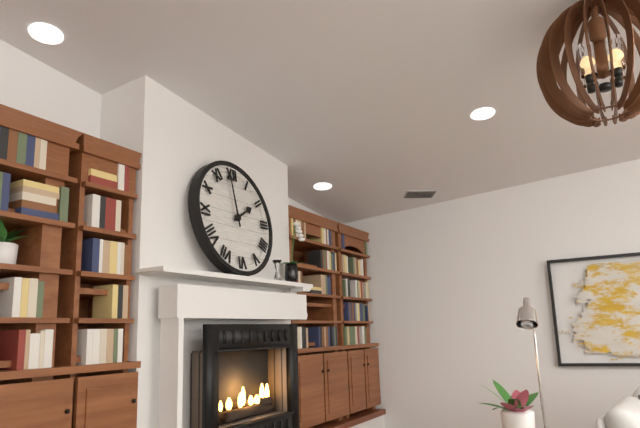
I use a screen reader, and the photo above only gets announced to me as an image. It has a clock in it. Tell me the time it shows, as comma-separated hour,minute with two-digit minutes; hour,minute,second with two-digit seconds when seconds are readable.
1,59
